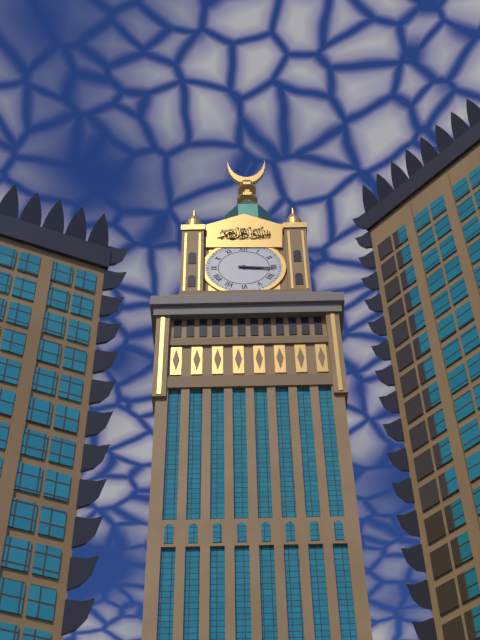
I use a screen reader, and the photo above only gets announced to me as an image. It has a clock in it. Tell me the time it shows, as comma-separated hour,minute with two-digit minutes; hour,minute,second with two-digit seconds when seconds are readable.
3,16
